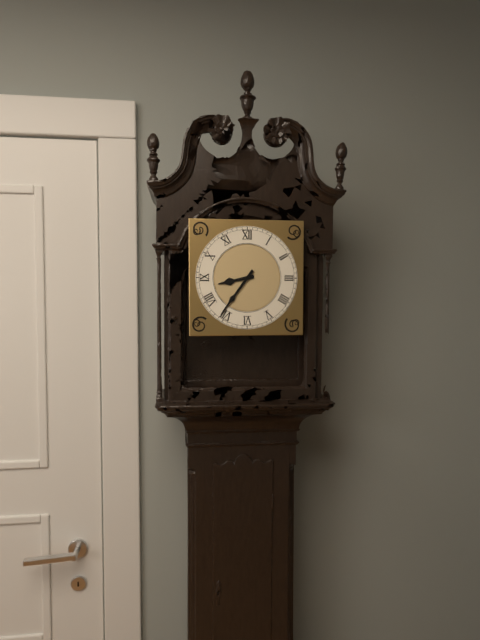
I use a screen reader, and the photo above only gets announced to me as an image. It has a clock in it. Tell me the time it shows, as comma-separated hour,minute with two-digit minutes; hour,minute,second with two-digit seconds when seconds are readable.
8,36
